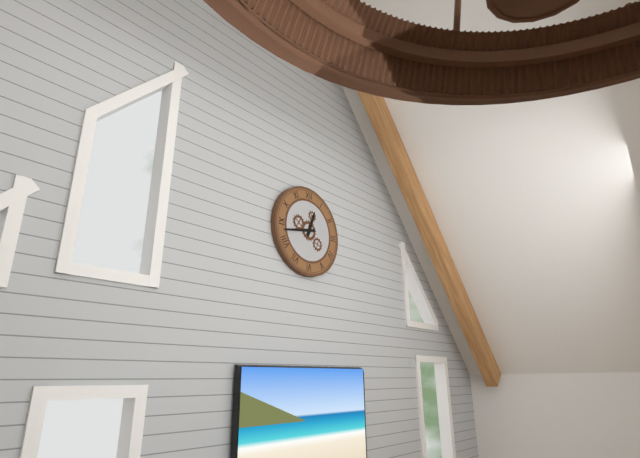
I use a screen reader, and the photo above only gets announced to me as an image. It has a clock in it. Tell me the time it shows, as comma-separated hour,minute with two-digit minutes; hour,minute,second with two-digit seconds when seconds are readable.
12,43
